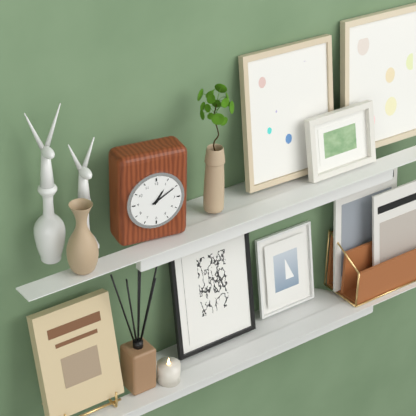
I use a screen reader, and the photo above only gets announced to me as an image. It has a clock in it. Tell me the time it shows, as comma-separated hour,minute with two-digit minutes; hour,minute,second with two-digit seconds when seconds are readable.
1,10
